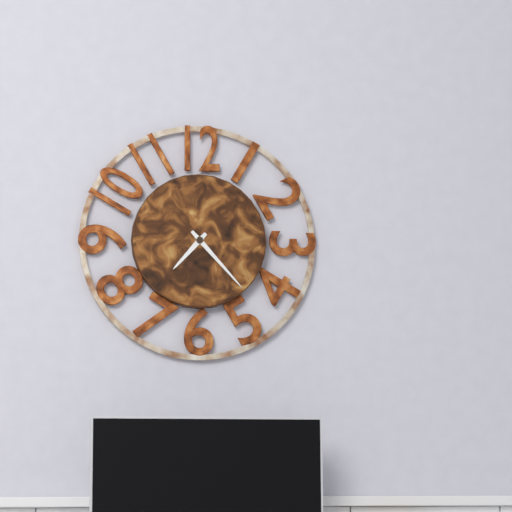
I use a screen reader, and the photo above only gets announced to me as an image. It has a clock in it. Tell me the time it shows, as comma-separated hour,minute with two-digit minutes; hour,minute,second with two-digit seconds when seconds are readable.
7,23
